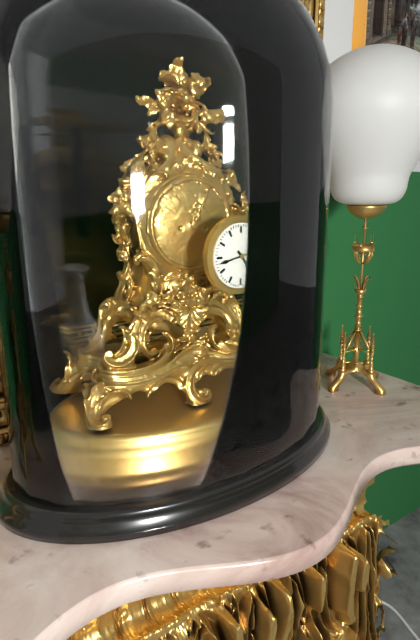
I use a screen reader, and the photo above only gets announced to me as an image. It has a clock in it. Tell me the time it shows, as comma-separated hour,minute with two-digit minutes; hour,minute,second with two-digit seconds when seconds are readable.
4,43
